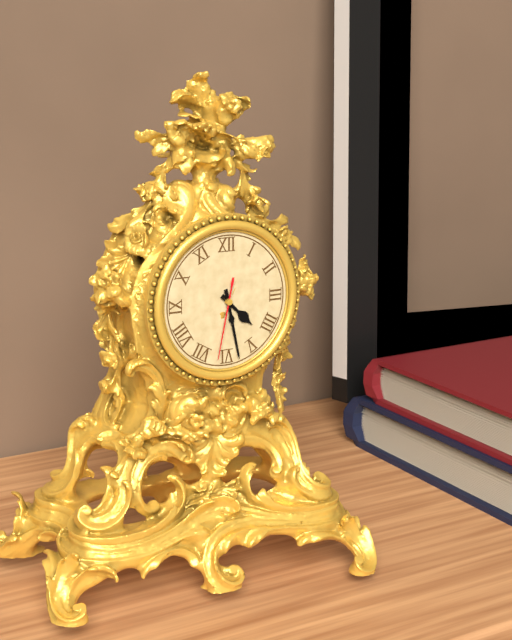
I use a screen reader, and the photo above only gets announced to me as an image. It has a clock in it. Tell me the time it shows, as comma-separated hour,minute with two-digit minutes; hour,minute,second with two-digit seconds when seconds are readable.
4,28,32
